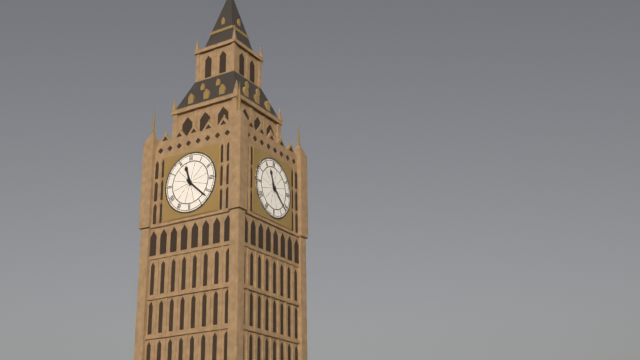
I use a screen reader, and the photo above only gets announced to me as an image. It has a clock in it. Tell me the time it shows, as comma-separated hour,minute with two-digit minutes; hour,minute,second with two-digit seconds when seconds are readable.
11,22
